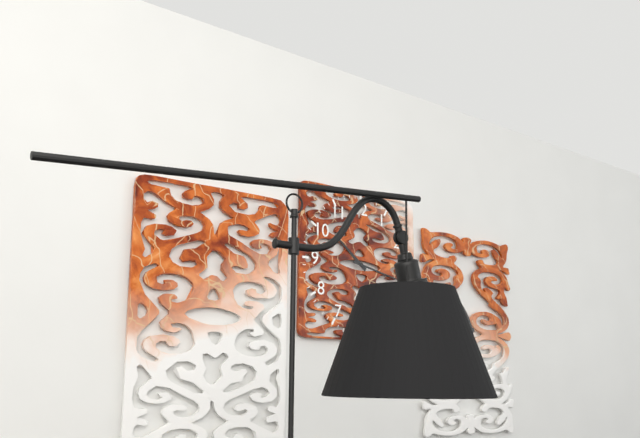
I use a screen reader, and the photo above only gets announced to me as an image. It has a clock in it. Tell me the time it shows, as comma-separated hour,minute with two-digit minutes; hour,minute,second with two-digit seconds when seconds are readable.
10,17
